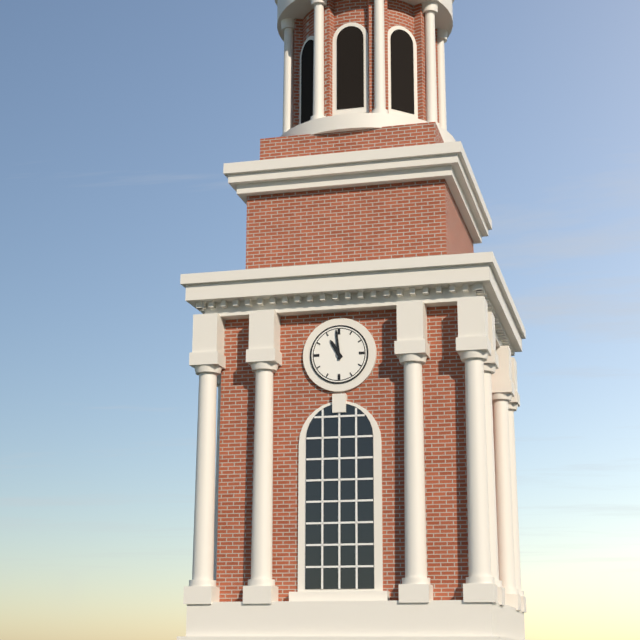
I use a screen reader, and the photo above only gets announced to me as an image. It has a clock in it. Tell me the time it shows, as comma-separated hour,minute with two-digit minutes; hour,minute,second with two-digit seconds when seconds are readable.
10,59
